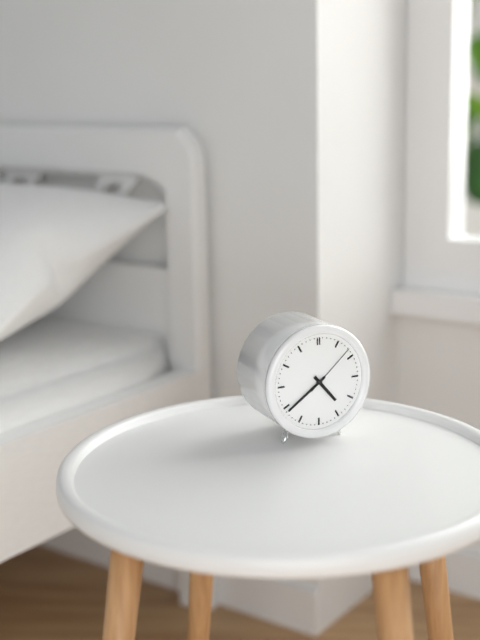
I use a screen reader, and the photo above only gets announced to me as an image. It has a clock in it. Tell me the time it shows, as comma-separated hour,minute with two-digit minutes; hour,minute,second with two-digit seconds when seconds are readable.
4,39,08
